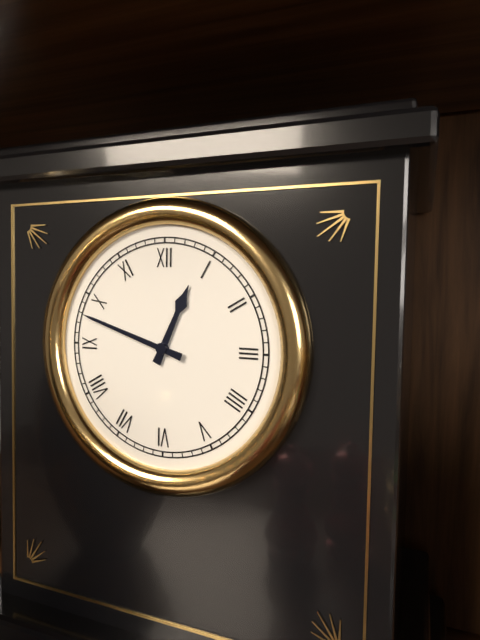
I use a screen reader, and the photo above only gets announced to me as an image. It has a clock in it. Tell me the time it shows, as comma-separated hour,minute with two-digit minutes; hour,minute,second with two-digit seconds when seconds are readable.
12,48
